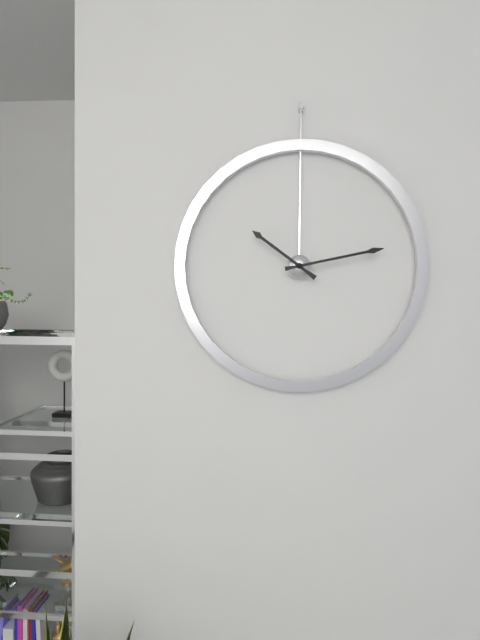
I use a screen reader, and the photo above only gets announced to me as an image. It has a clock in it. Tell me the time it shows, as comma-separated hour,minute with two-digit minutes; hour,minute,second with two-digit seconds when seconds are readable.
10,13
